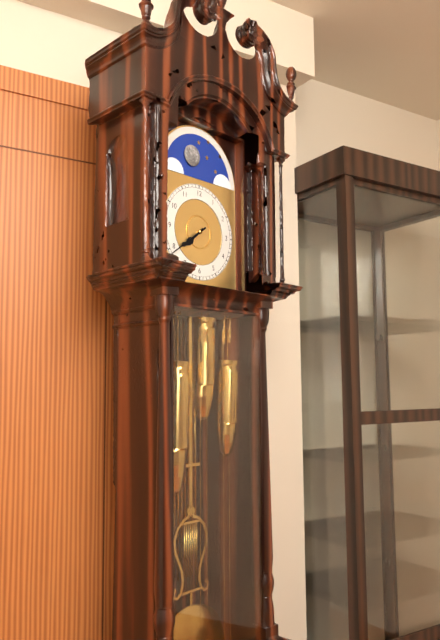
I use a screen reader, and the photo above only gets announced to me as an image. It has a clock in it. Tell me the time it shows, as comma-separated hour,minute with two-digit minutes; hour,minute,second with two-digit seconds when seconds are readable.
7,39
